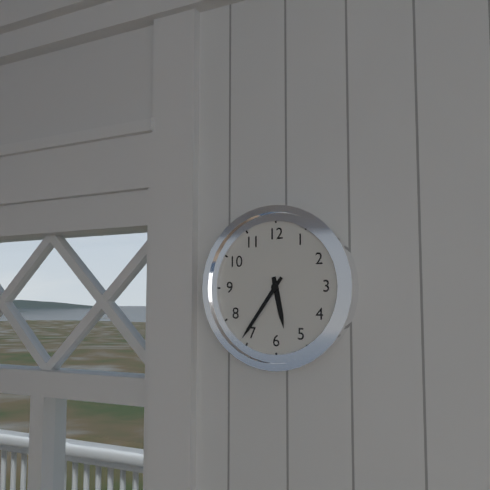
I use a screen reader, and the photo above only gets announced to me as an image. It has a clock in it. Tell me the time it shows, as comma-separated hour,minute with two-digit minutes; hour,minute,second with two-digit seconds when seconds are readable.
5,36
